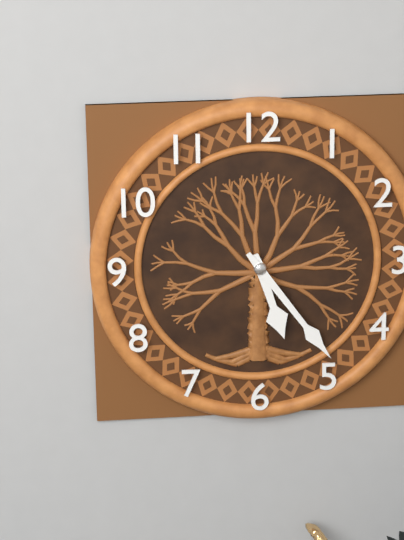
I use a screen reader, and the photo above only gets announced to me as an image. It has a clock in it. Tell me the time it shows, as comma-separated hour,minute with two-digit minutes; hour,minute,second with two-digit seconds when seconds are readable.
5,24
